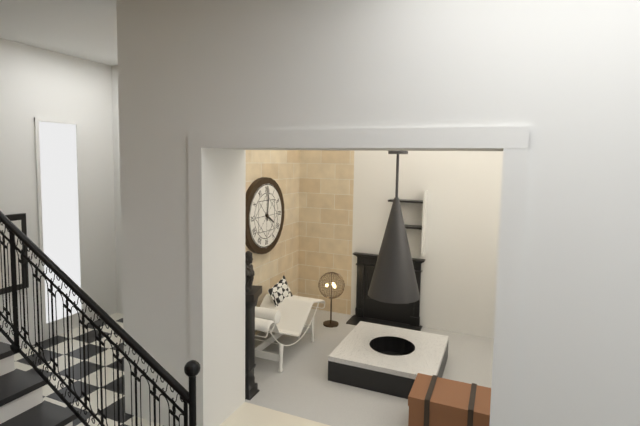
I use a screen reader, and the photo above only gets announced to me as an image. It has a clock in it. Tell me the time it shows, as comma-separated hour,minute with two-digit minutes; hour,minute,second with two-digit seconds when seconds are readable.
4,01
